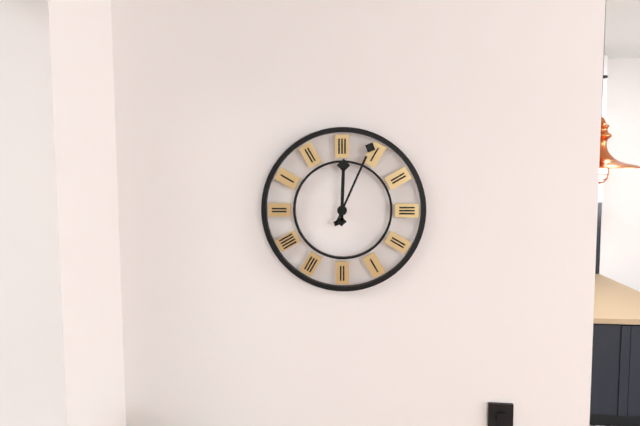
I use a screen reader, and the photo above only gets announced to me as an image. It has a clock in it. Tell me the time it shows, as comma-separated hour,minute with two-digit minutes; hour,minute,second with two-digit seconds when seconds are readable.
12,04
